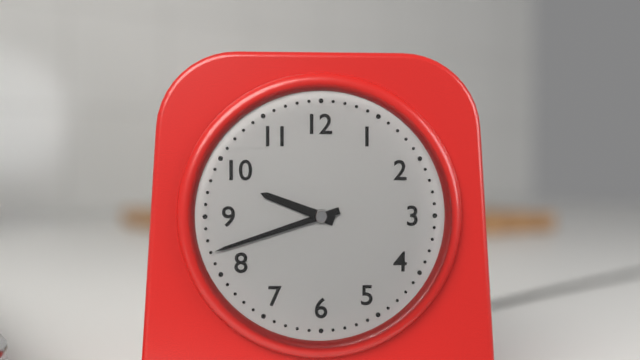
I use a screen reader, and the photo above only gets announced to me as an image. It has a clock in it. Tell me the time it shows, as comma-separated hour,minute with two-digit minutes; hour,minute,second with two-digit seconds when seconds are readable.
9,42
